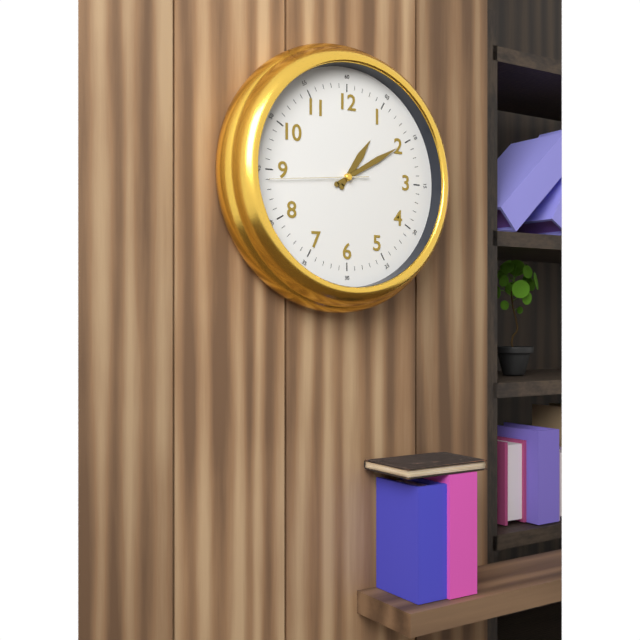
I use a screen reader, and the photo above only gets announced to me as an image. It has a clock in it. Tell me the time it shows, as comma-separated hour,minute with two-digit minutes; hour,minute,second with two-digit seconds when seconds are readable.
1,10,44
